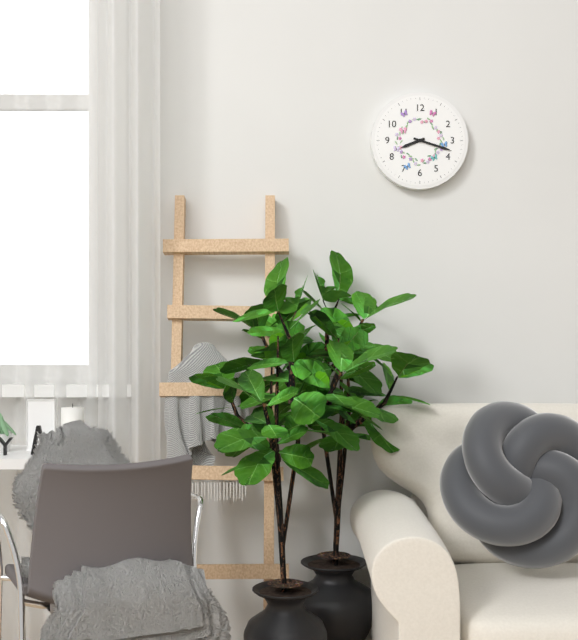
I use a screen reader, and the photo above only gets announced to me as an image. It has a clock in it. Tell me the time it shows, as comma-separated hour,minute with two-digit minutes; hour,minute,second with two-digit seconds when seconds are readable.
8,18
